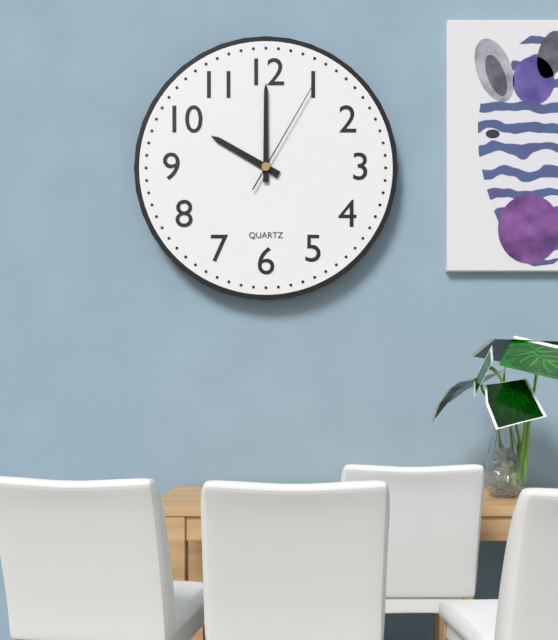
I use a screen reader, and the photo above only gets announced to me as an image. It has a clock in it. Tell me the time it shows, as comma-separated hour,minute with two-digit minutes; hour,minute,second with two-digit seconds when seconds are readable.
10,00,05
